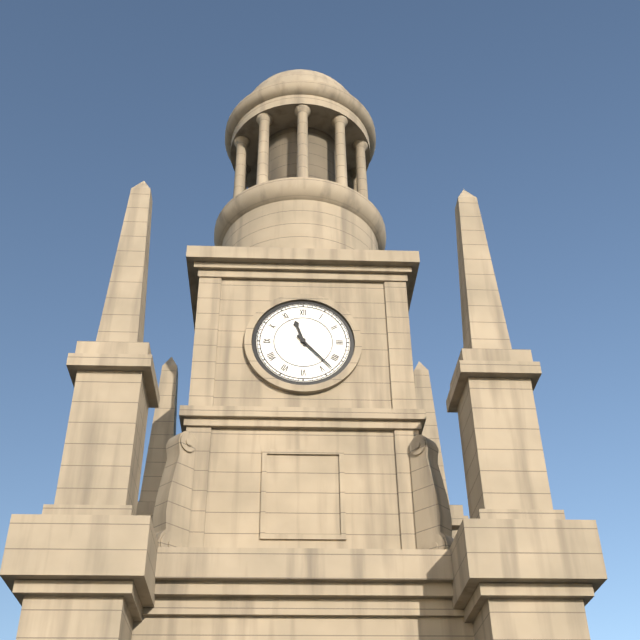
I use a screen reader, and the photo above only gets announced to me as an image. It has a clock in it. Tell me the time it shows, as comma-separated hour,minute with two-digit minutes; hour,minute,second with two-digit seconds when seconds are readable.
11,23
